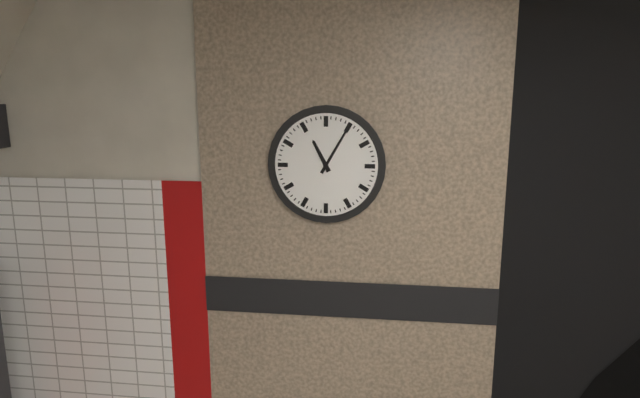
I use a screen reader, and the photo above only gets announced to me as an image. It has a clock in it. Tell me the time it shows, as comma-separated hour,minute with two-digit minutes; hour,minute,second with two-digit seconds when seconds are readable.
11,05
